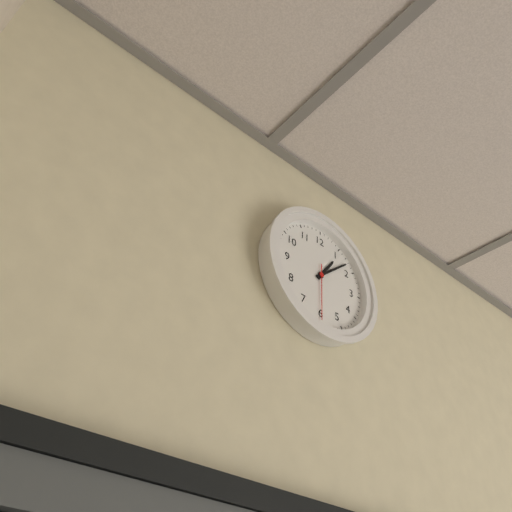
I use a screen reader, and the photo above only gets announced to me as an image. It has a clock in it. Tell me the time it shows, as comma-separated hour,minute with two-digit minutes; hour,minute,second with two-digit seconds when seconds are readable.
1,08,30
